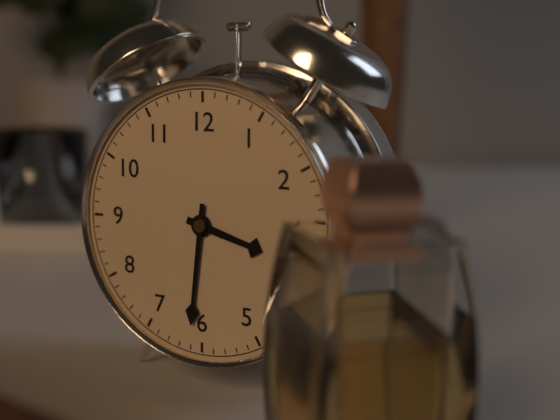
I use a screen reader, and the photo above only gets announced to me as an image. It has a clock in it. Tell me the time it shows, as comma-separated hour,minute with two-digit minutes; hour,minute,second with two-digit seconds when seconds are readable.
3,31
